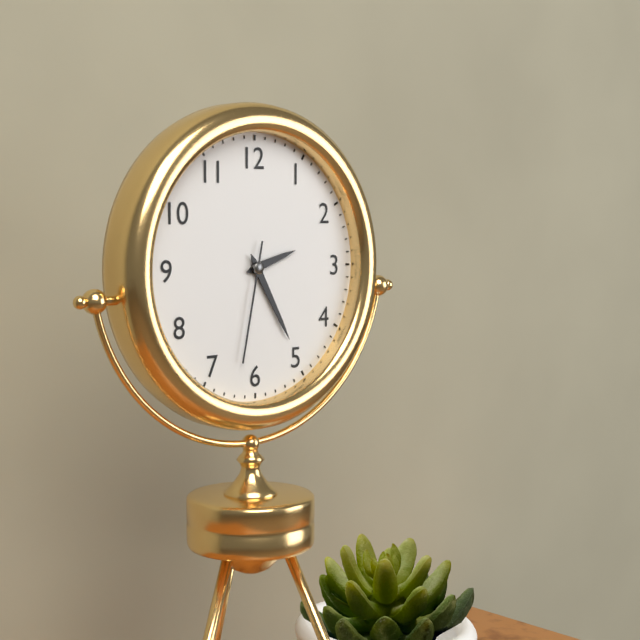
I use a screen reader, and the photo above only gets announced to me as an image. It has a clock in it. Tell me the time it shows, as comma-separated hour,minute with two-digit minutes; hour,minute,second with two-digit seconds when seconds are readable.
2,25,32
